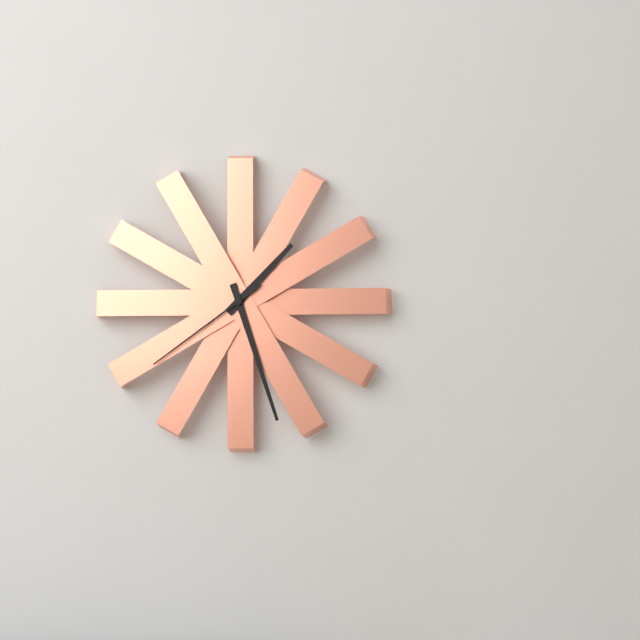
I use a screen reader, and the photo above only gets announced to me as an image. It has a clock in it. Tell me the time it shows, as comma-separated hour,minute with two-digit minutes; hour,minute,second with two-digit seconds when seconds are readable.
1,27,39
